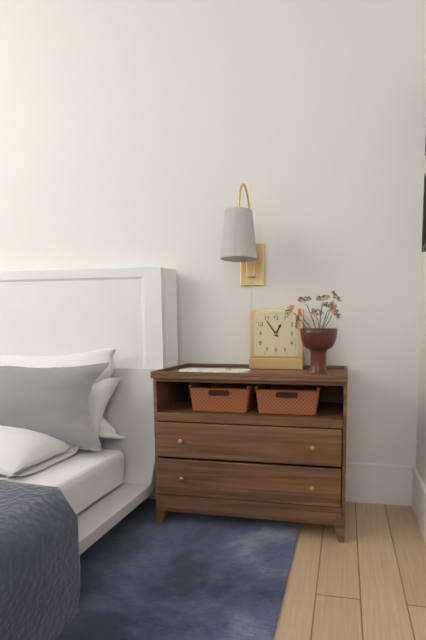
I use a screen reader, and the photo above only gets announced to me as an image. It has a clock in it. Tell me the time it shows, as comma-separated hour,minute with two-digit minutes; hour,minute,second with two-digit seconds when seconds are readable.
12,54
